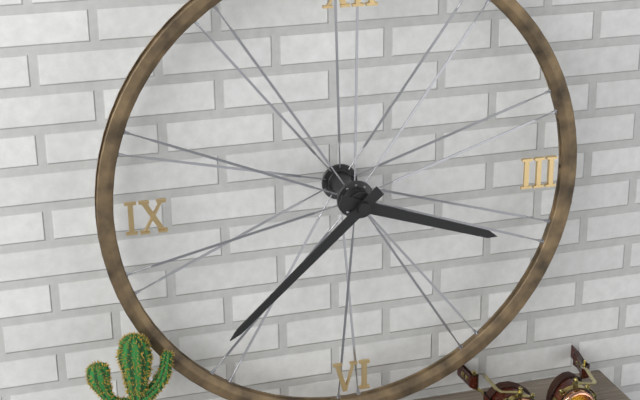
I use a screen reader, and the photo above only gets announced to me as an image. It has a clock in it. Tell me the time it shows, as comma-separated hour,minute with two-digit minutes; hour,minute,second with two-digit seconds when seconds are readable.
3,38
